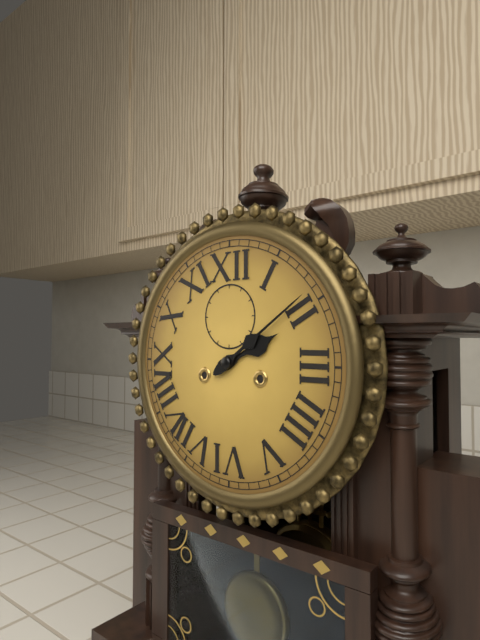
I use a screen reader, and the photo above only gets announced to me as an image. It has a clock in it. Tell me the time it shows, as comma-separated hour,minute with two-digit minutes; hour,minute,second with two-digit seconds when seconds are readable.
2,09
